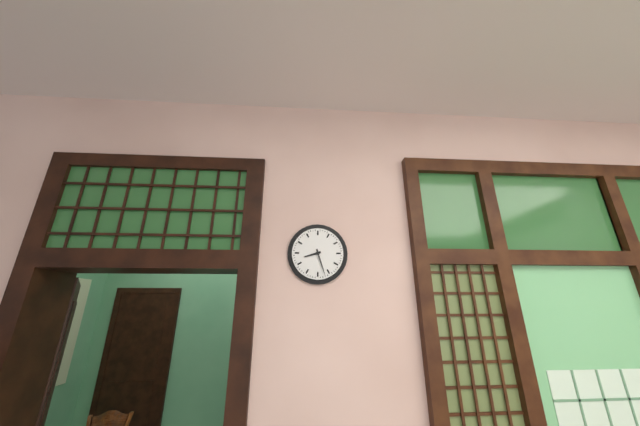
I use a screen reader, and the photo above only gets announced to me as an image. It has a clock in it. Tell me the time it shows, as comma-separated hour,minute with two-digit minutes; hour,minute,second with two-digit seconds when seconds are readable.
8,27
